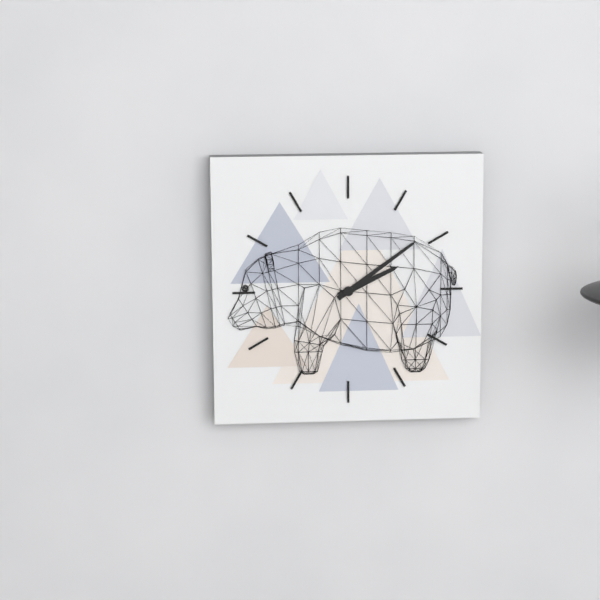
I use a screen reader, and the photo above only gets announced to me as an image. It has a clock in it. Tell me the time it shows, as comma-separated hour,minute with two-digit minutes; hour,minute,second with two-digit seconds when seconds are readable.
2,09
